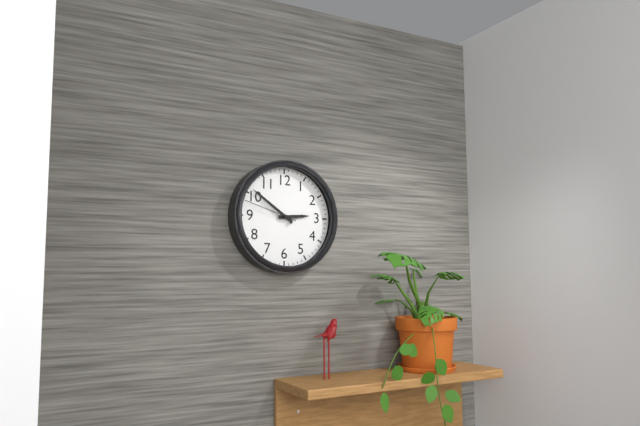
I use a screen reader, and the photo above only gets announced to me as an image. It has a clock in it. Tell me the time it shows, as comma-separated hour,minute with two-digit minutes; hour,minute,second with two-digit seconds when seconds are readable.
2,51,48
